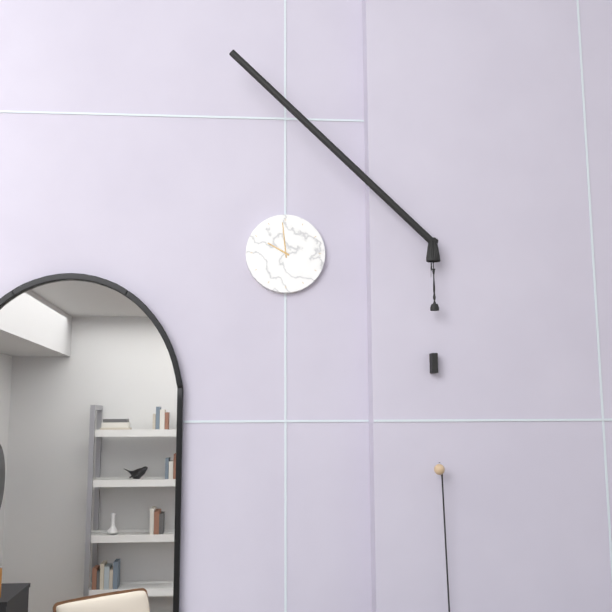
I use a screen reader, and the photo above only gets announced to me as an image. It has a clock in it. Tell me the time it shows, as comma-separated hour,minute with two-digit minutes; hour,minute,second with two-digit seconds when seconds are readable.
9,59
